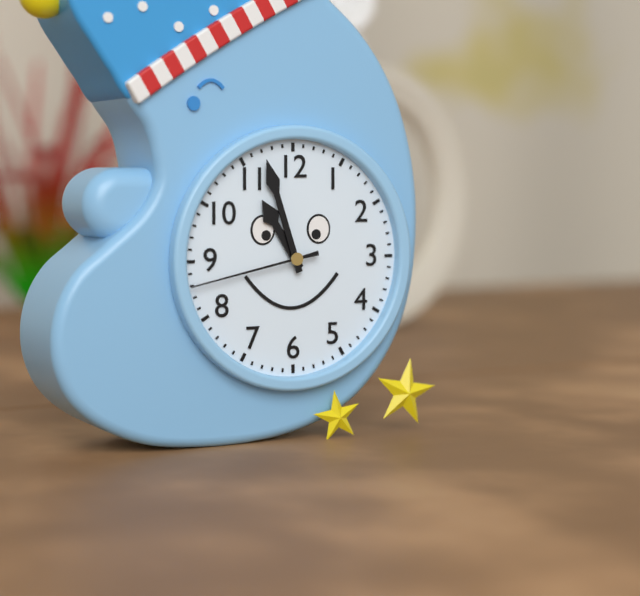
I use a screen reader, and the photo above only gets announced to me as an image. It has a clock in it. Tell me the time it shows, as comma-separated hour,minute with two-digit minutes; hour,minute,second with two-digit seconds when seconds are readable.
10,57,43
